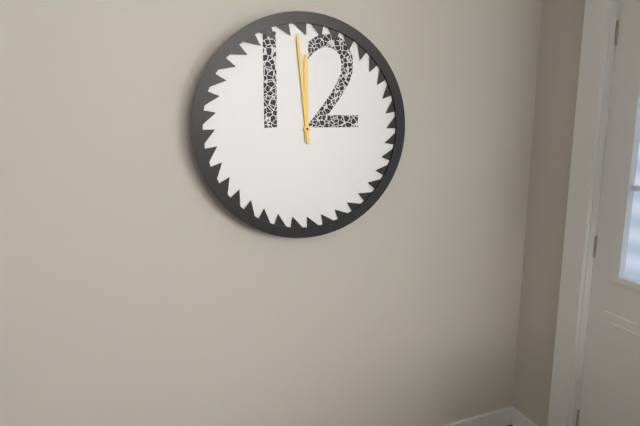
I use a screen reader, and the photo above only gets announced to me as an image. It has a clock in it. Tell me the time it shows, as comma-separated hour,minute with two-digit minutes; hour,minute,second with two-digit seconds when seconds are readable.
11,59
